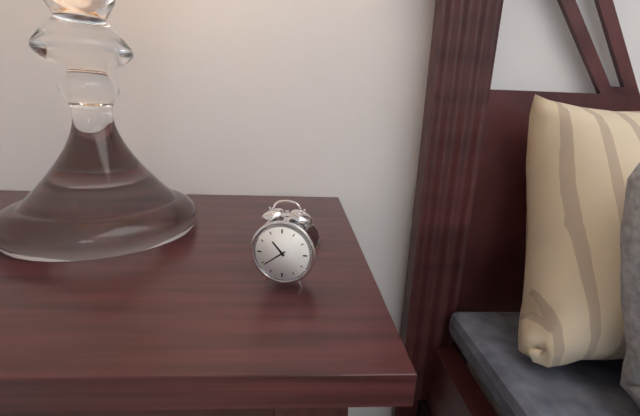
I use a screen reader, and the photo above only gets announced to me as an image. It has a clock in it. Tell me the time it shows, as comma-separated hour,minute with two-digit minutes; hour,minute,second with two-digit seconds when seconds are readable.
10,39
